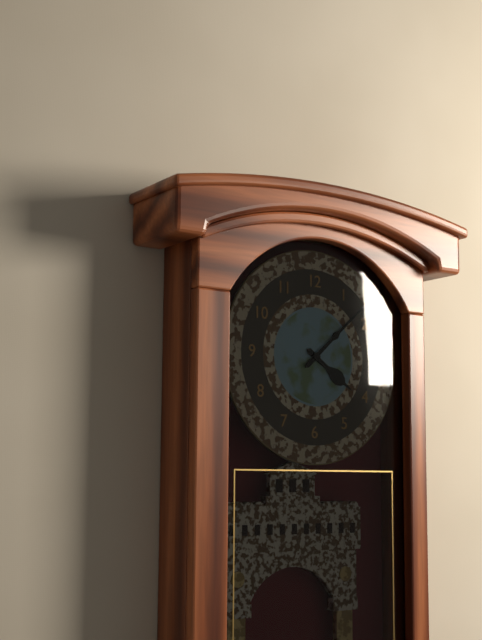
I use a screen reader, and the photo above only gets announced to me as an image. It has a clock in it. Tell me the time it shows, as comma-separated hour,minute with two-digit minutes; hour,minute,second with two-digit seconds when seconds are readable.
4,08
